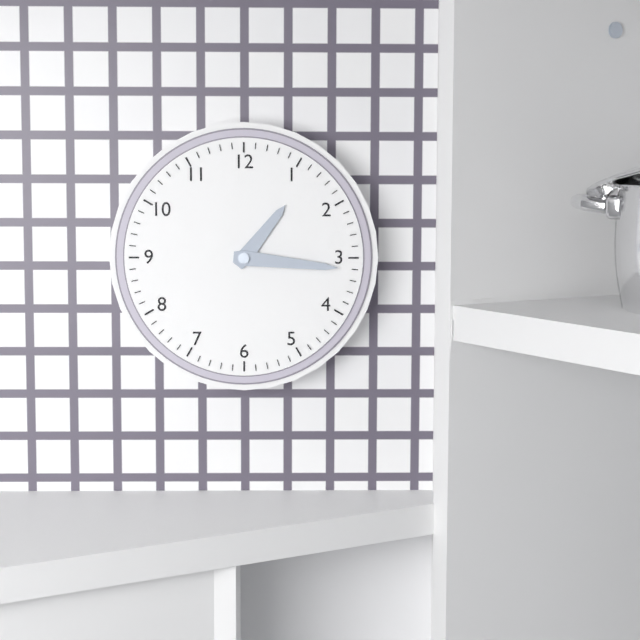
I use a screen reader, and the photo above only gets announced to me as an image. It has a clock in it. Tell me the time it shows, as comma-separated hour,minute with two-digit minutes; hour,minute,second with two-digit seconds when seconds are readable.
1,16
